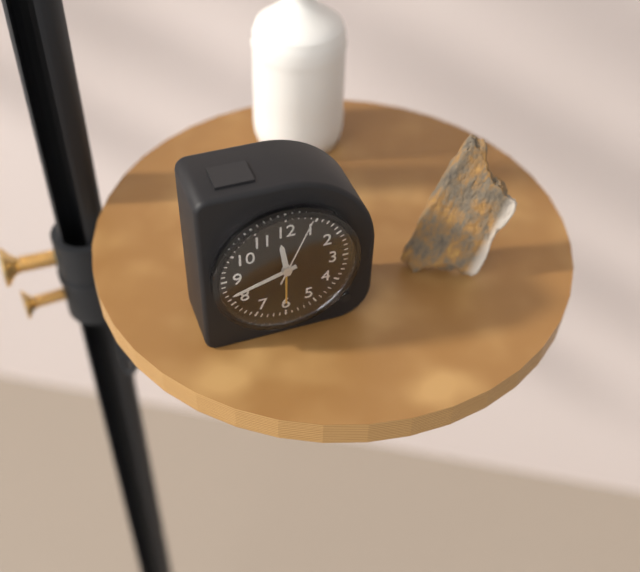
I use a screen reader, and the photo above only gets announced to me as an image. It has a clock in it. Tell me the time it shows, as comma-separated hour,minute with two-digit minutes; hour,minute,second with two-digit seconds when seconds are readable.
11,42,04
